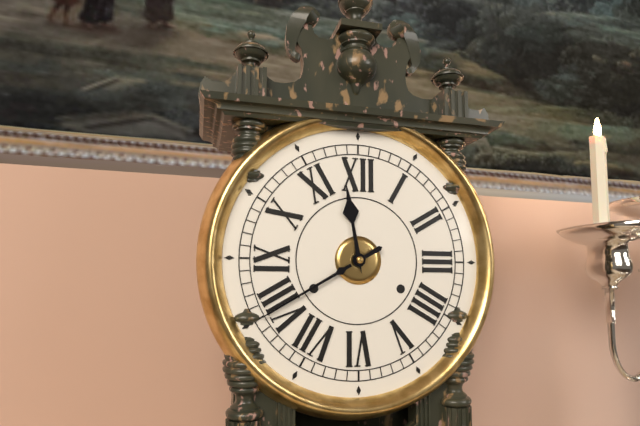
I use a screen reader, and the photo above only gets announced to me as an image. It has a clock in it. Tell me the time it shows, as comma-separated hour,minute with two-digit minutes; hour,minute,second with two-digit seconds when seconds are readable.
11,40
